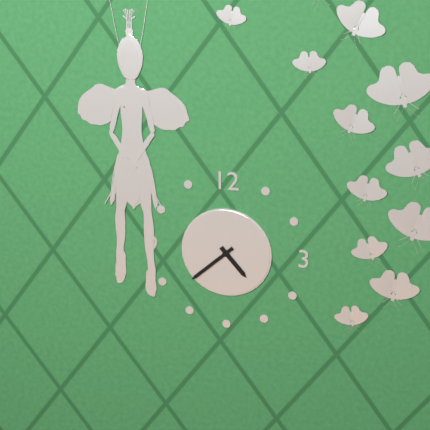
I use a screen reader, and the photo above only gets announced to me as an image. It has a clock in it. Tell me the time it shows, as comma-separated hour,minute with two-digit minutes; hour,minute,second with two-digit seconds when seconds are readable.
4,38
